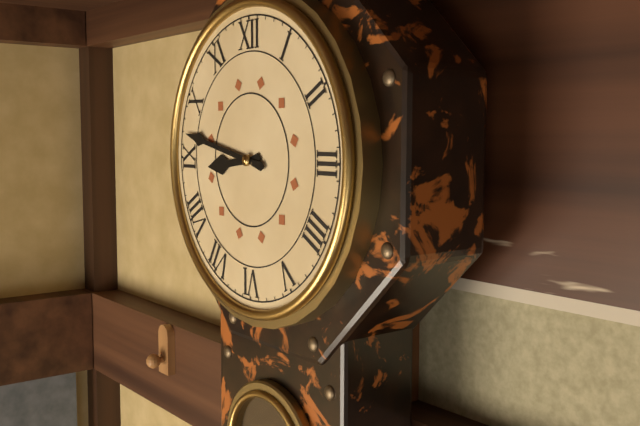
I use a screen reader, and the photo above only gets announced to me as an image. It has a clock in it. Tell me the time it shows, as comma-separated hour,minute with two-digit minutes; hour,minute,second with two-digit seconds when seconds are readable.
8,47
